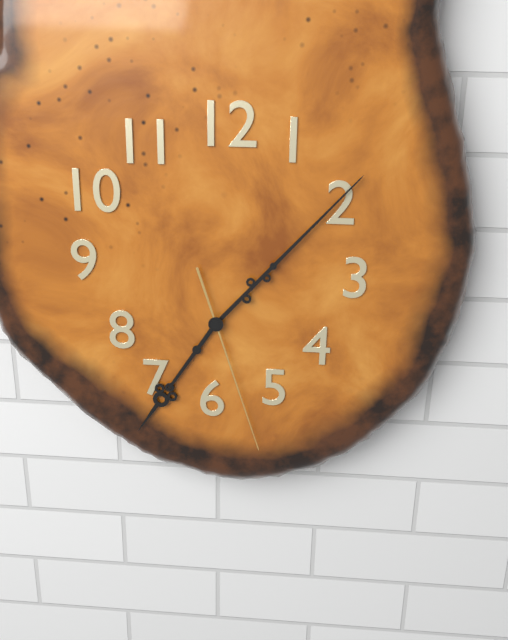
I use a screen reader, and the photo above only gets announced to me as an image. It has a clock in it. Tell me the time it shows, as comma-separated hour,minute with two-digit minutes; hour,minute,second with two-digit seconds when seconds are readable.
7,07,27
